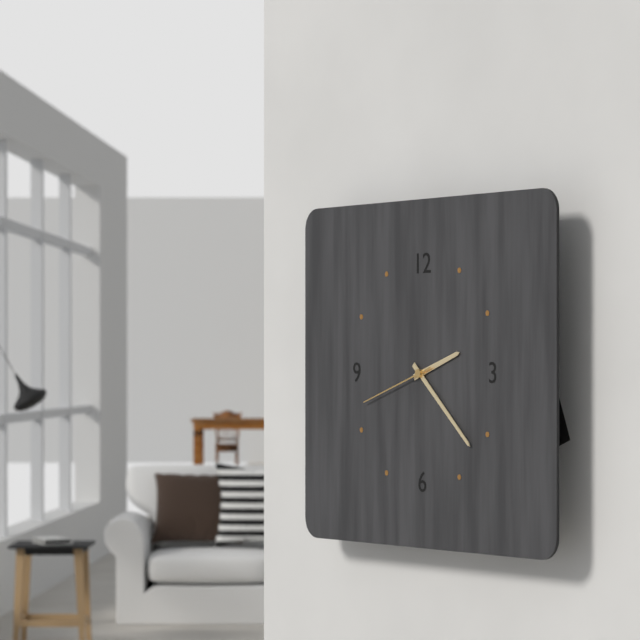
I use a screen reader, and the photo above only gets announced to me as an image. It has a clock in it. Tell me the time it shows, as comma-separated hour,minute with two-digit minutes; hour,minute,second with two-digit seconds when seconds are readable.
2,22,42
